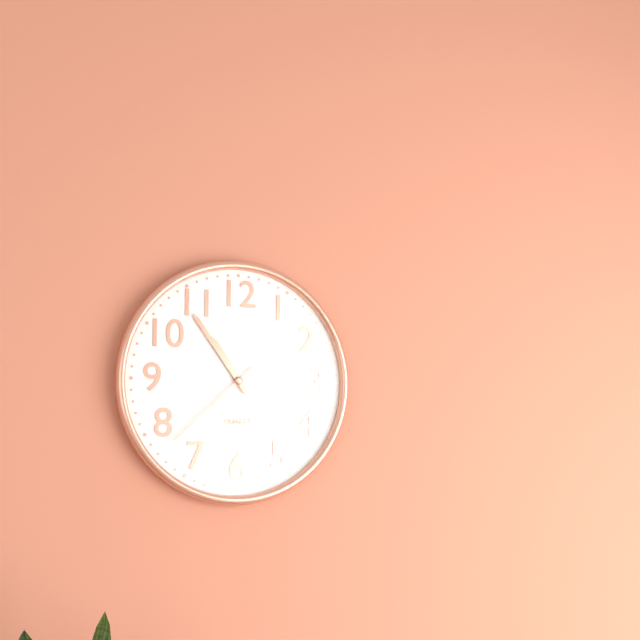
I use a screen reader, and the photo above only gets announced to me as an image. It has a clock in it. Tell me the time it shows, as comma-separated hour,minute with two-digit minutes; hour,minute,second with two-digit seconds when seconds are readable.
10,54,38
